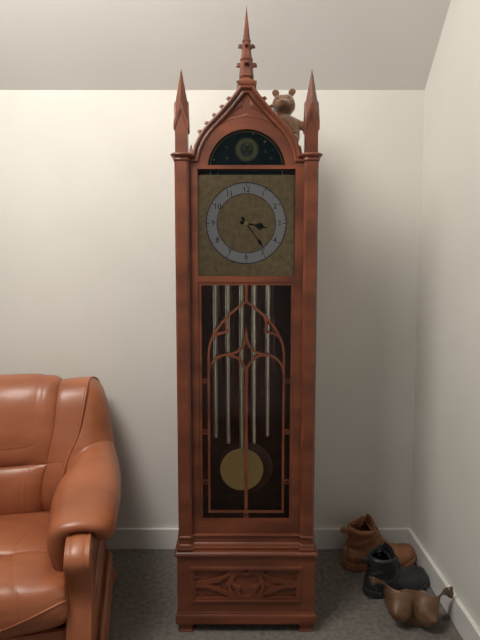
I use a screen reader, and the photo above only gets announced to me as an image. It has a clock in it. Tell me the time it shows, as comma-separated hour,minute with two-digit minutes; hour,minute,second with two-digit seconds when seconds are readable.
3,24
